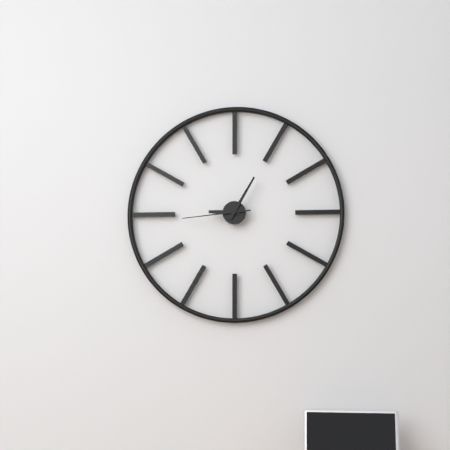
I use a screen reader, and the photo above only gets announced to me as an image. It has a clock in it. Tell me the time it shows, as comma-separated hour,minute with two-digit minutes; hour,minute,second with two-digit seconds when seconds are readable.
9,05,44
